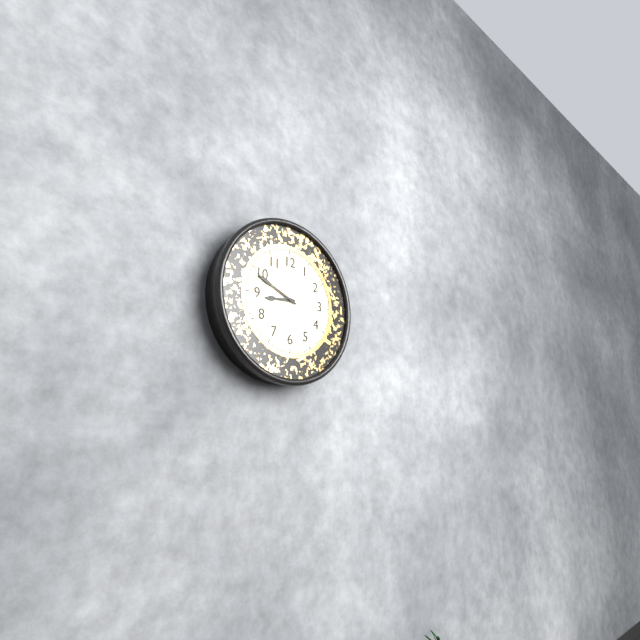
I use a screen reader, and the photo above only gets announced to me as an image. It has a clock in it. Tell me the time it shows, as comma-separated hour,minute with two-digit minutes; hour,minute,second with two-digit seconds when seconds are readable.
8,49
